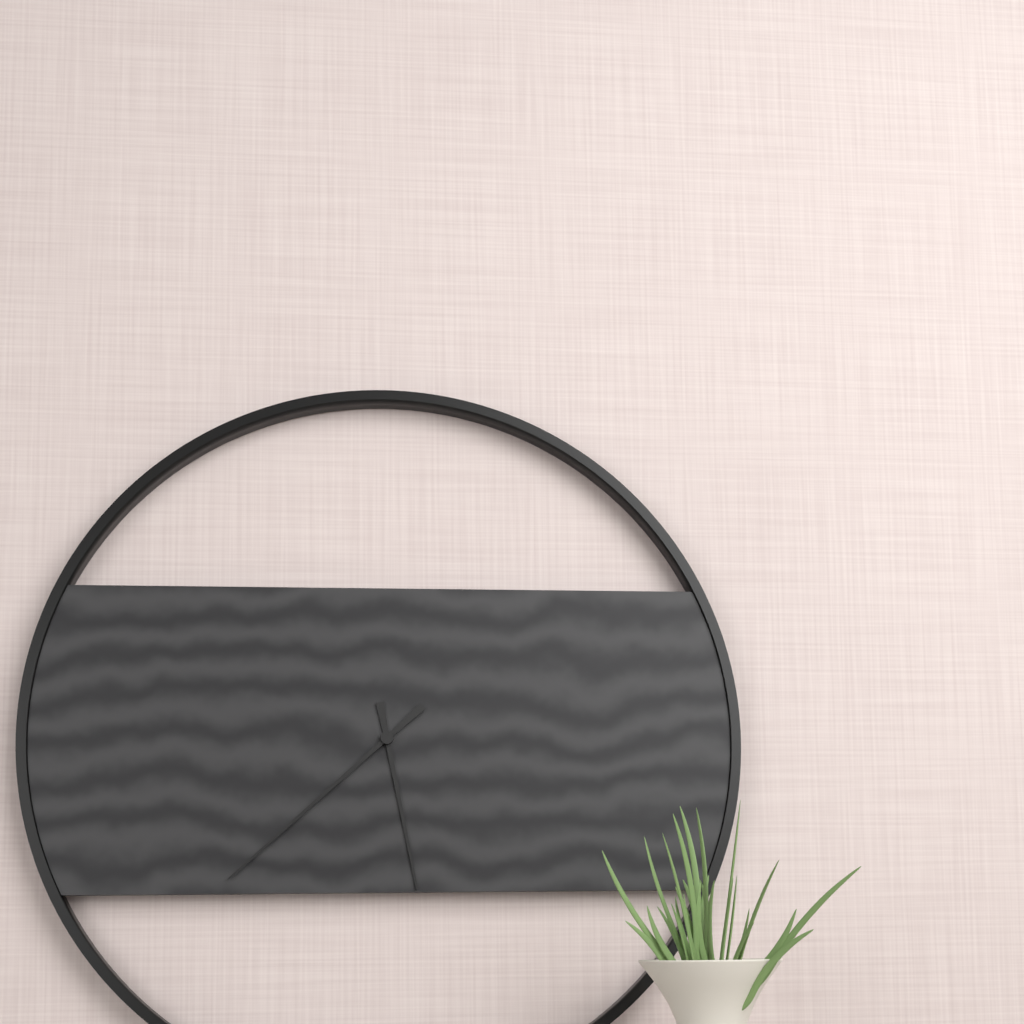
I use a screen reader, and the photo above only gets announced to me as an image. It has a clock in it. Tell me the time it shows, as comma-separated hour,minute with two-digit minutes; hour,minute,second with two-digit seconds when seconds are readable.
5,38
